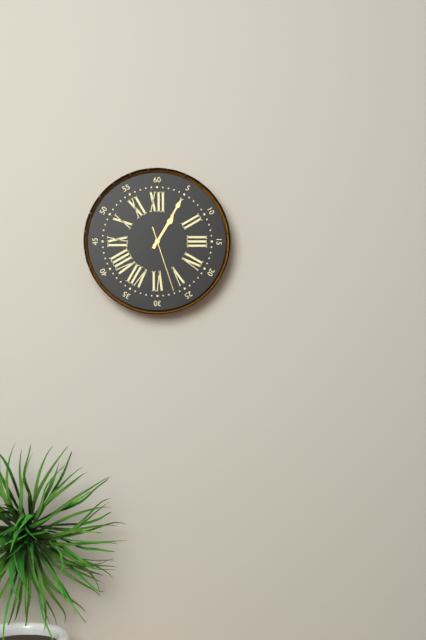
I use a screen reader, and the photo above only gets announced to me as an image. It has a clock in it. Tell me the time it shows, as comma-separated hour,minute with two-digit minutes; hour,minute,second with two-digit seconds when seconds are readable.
1,05,27
